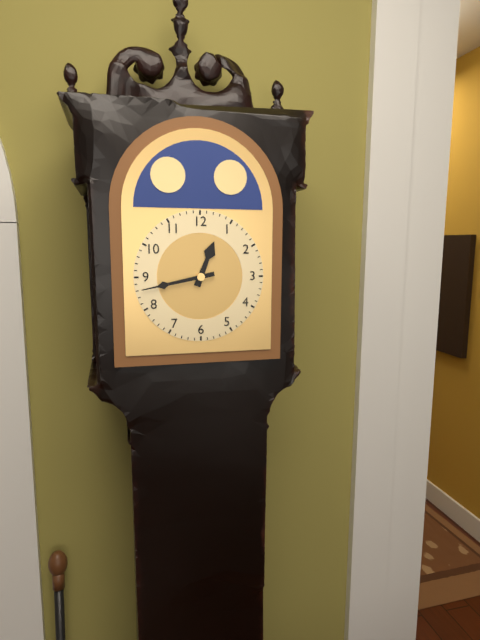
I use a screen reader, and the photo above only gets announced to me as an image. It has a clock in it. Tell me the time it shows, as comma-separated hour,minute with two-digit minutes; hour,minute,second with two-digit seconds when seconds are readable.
12,43
